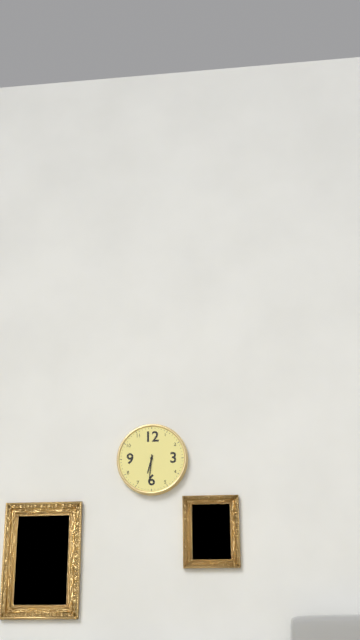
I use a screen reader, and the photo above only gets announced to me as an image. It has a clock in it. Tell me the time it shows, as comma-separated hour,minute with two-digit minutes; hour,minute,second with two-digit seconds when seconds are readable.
6,31
